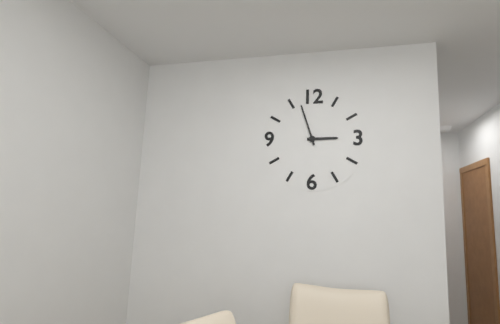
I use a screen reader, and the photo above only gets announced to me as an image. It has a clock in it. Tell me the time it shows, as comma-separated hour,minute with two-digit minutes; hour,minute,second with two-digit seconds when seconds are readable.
2,57
